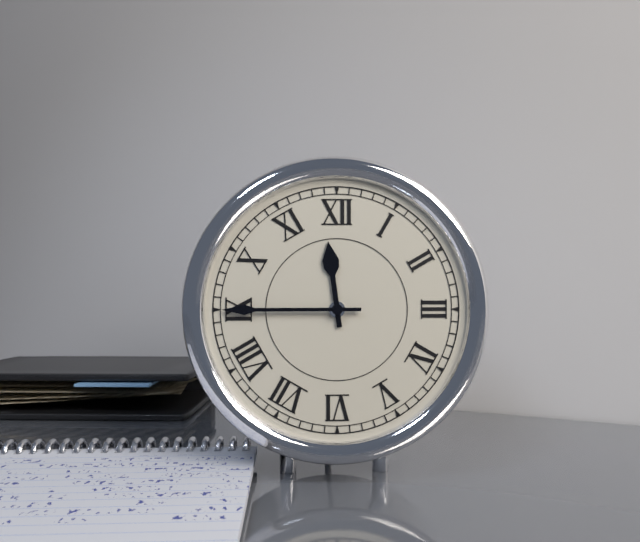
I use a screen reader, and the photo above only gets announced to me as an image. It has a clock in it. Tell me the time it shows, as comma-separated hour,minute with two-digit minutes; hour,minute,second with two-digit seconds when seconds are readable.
11,45
